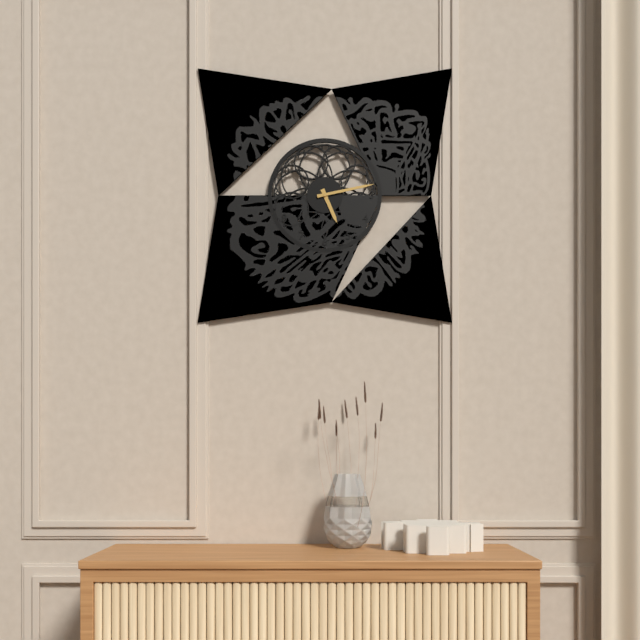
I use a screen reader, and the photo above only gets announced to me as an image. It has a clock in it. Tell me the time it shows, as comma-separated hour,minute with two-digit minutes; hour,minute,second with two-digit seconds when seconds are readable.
5,13
